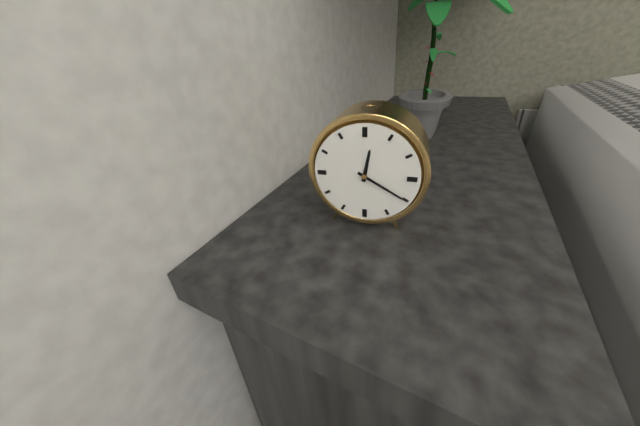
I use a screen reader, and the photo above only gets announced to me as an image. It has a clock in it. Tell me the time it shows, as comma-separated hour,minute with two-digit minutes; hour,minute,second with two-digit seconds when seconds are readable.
12,20
